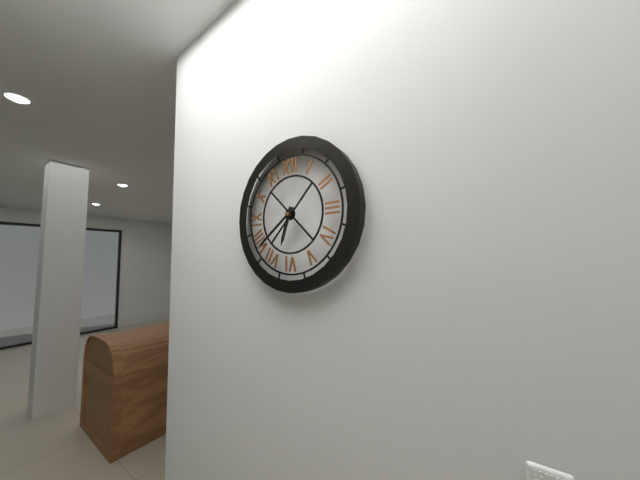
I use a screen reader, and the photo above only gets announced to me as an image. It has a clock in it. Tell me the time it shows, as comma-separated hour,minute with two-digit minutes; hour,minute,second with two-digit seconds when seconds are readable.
6,39
